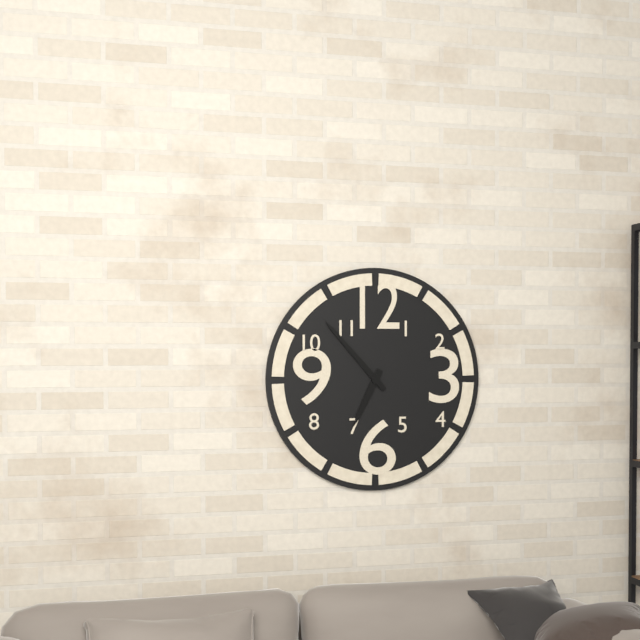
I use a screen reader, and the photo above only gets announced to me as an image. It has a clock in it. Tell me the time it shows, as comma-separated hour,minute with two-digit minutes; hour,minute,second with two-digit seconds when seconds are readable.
6,53
